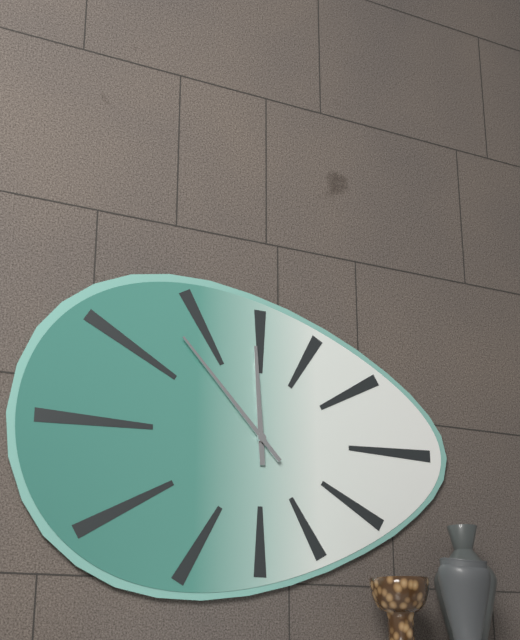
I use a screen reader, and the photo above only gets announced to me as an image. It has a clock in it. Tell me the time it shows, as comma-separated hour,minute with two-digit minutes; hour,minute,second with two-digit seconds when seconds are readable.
11,53
